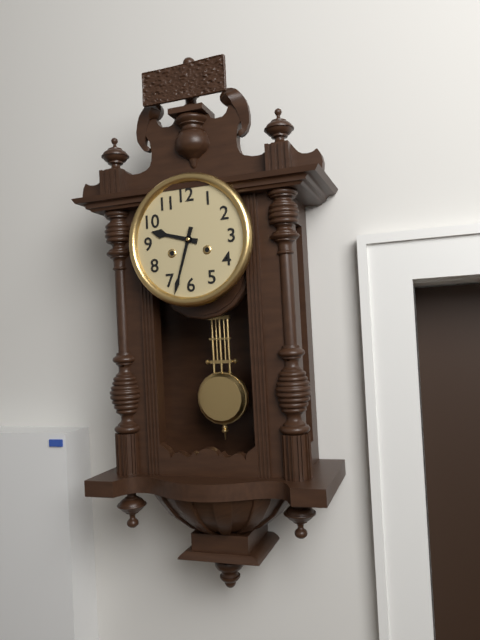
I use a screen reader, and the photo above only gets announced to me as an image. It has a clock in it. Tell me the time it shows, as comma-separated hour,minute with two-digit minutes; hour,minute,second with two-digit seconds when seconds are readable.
9,33
